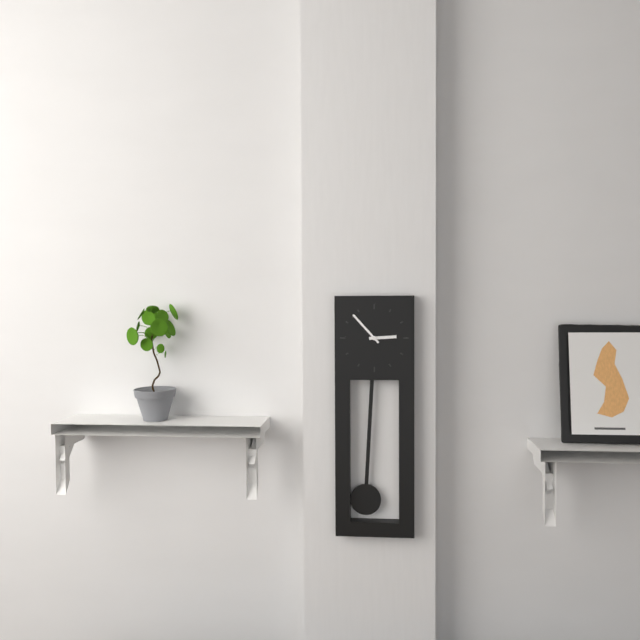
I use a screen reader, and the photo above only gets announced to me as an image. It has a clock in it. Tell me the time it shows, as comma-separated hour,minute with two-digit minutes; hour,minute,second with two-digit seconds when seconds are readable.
2,53
